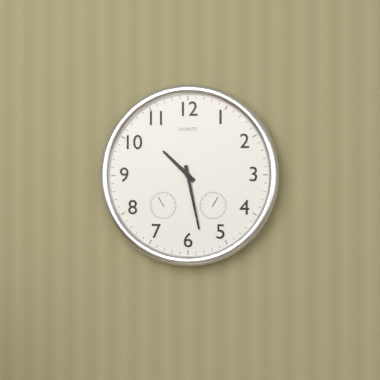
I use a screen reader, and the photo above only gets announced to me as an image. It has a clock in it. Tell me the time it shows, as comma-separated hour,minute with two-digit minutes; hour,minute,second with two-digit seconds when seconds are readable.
10,28
